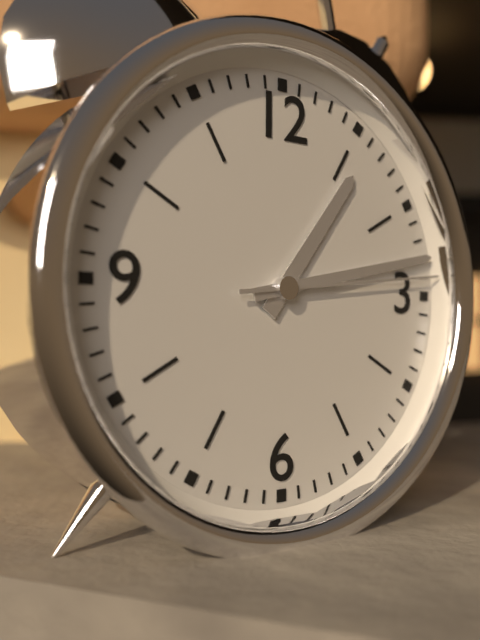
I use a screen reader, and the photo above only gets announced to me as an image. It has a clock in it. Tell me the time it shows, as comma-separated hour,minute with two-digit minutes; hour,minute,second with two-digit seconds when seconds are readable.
1,13,14
